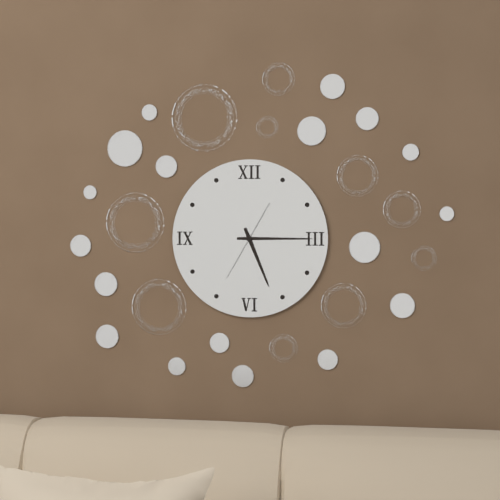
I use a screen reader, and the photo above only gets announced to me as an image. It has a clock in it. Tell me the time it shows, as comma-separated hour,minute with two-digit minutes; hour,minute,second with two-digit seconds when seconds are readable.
5,15,35
